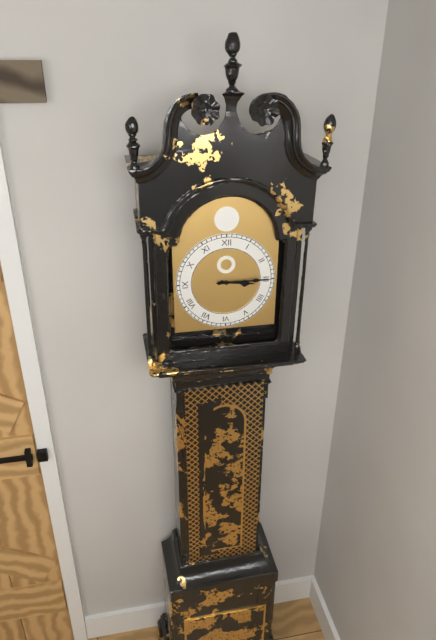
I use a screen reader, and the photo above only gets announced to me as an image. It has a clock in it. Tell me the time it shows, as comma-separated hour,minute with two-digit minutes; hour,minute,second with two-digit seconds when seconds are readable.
3,15
